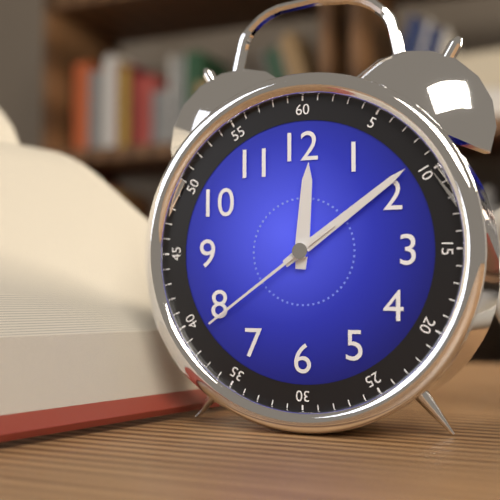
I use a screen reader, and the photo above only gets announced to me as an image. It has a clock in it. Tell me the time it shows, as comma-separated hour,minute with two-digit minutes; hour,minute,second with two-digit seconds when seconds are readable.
12,09,39
